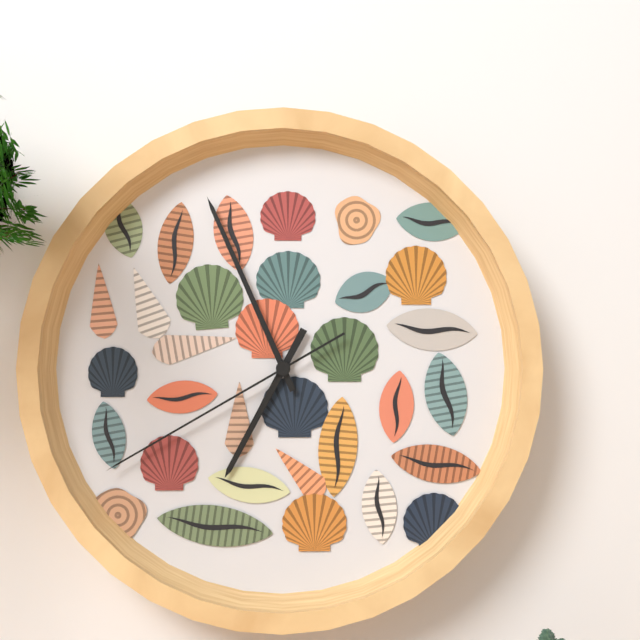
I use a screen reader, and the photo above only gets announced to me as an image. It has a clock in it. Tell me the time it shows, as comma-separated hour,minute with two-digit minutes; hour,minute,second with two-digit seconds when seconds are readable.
6,56,40
